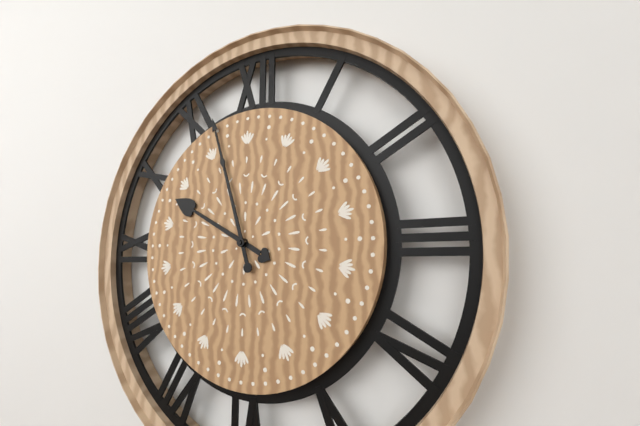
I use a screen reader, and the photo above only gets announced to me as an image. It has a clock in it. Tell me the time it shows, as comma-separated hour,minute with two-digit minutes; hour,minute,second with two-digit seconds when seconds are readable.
9,57
